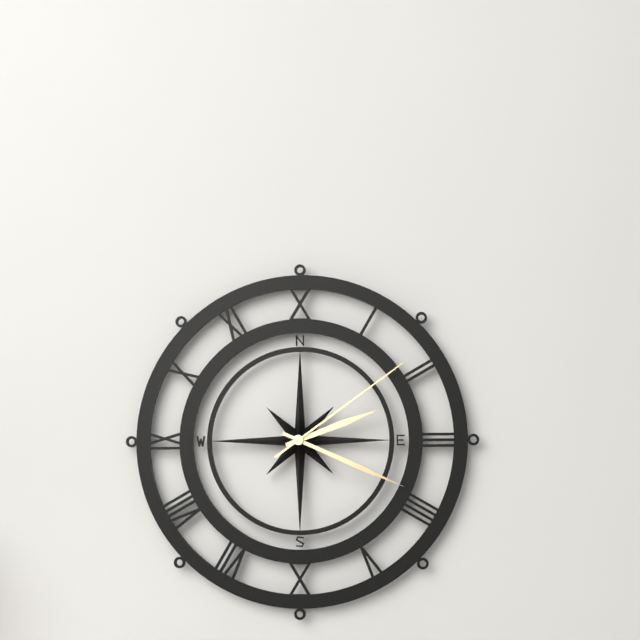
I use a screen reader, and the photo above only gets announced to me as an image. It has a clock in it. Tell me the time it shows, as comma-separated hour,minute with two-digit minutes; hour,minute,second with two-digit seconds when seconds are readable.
2,19,09
